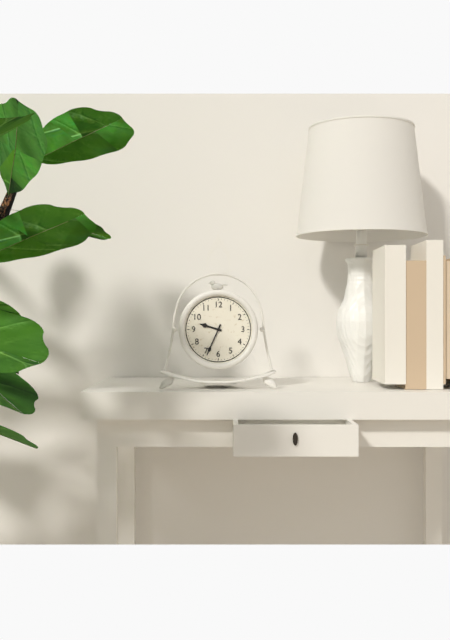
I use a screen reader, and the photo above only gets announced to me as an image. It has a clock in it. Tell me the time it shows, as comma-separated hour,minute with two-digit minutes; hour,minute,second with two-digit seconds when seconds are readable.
9,34
